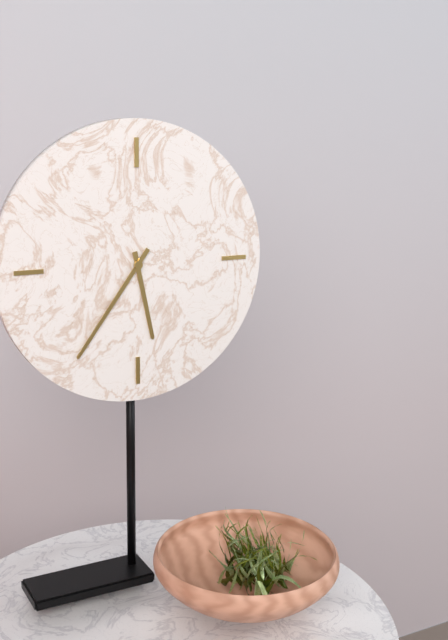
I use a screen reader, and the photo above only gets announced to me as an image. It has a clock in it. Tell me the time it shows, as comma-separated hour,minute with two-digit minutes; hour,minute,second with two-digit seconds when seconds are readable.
5,36
